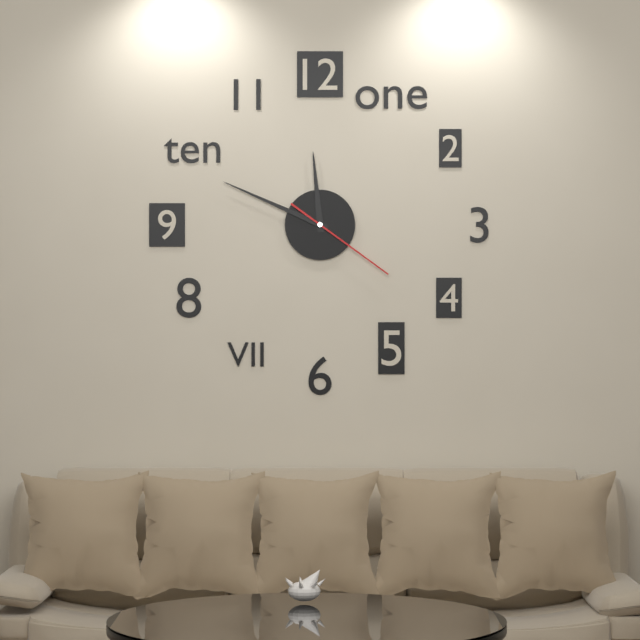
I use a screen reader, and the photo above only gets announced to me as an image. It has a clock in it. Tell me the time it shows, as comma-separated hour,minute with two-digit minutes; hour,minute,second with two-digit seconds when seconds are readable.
11,49,21
